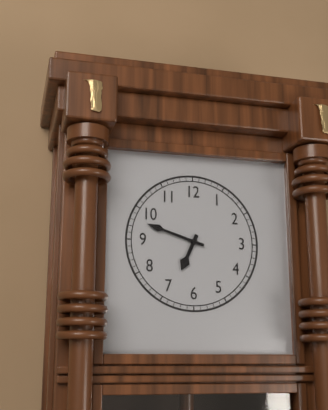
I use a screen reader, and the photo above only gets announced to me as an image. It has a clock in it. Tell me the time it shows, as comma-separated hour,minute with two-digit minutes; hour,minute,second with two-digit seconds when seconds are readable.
6,48
